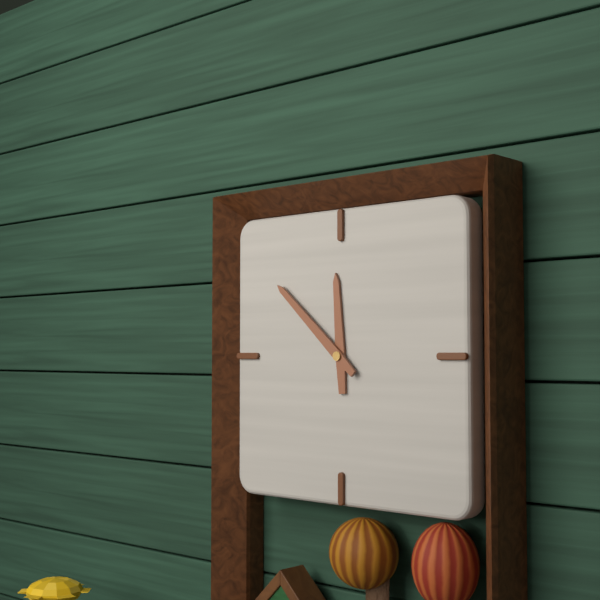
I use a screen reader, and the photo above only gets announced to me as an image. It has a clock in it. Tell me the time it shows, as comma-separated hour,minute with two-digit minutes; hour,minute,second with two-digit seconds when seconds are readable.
11,52
